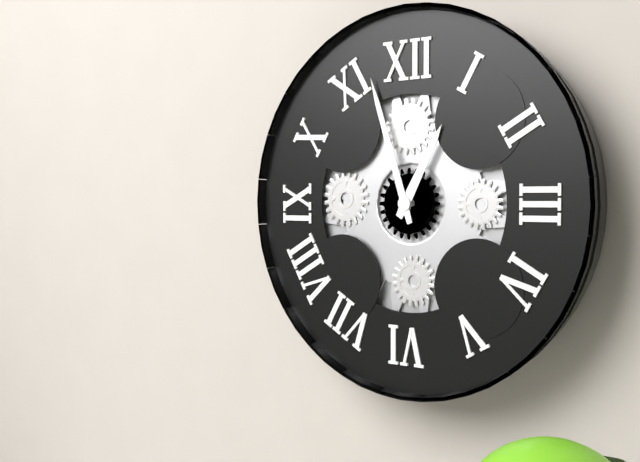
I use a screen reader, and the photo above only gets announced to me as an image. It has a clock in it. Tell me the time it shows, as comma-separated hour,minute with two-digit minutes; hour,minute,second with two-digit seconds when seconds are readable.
12,57
